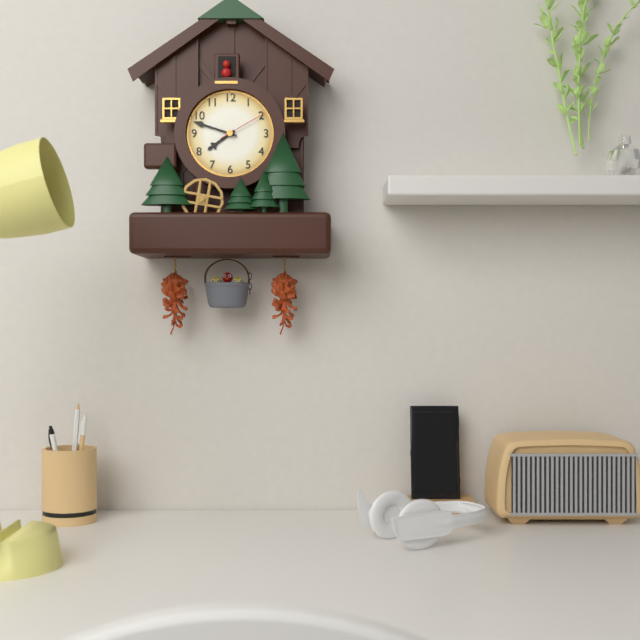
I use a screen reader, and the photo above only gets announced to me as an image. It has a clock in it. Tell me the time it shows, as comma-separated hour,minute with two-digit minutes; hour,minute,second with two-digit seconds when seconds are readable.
7,48,10
